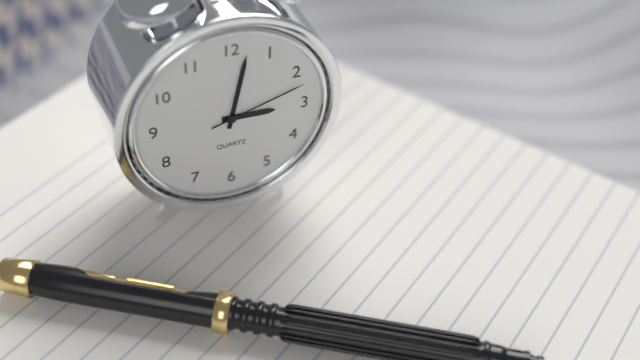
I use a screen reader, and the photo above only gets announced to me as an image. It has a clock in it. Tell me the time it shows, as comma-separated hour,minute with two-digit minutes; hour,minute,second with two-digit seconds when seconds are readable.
3,02,12
